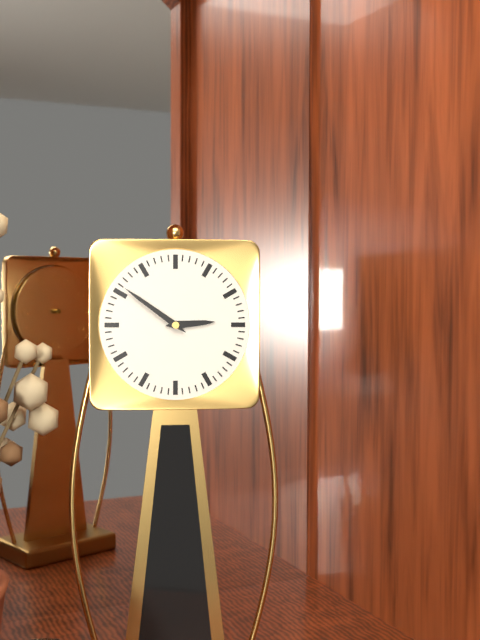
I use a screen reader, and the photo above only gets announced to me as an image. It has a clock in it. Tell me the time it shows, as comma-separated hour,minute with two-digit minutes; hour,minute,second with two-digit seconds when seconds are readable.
2,51
